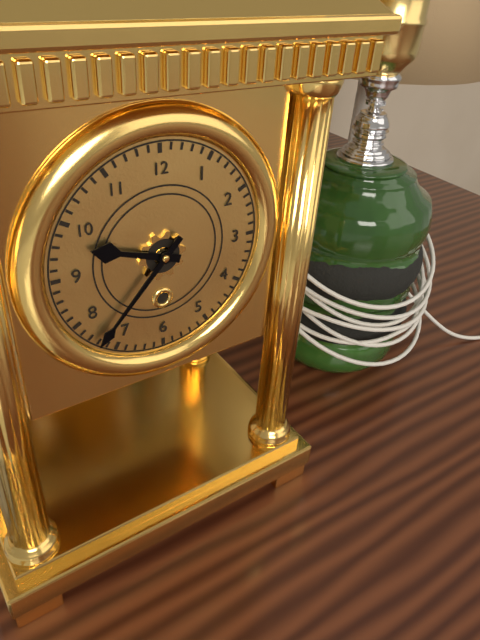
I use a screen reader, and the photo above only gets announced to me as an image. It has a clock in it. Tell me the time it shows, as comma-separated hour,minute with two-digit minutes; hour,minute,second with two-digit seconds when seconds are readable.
9,37
